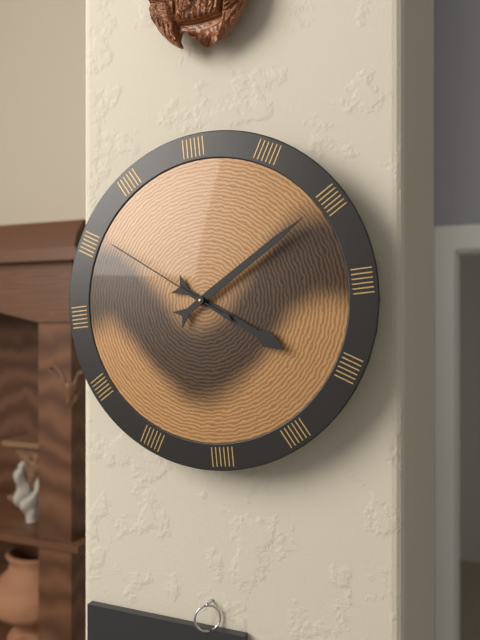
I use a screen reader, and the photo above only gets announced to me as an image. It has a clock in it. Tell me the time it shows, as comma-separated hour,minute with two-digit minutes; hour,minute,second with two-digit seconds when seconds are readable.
4,10,51
